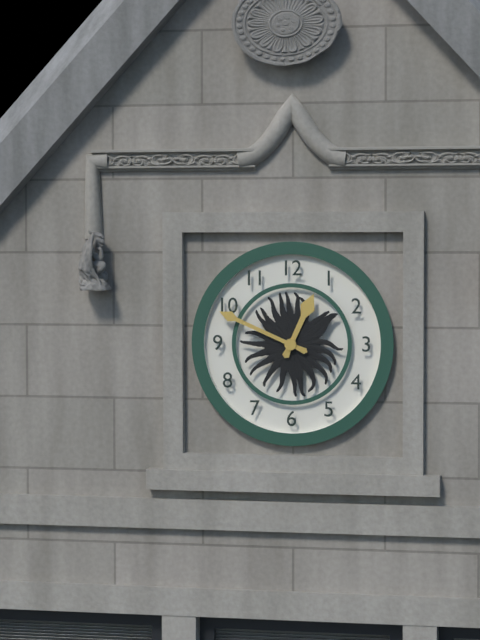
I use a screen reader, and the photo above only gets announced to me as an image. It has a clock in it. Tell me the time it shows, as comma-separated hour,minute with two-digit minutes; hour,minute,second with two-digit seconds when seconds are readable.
12,49
